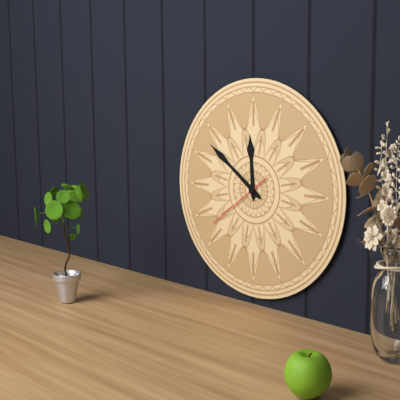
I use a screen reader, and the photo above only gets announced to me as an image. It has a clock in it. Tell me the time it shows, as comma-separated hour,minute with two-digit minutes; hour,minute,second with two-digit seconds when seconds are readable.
11,51,39
